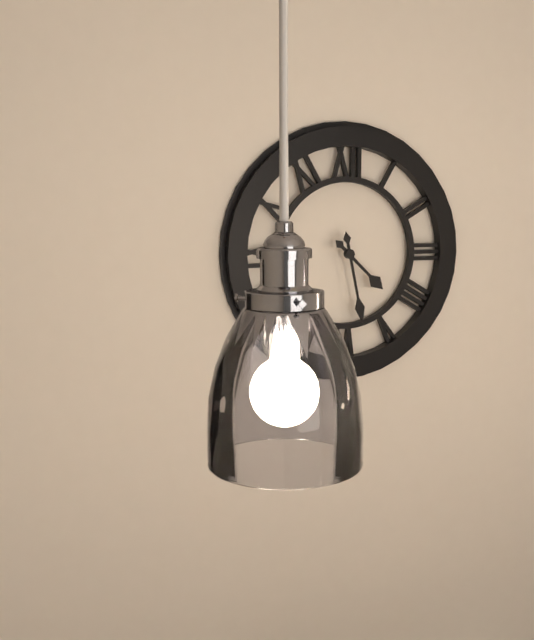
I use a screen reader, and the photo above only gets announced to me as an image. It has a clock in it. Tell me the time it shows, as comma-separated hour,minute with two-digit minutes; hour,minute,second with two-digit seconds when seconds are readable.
4,28
